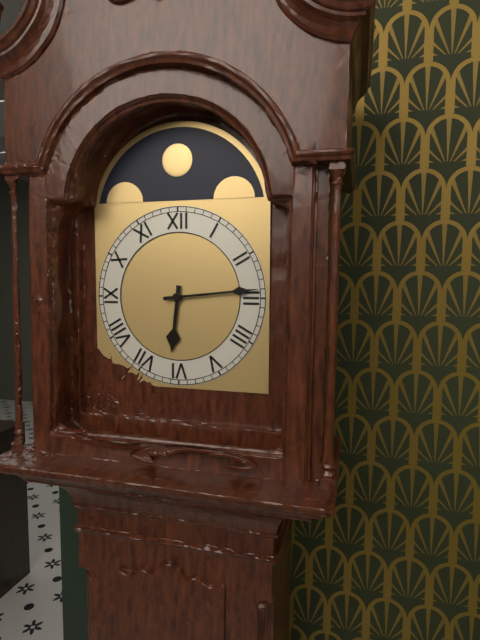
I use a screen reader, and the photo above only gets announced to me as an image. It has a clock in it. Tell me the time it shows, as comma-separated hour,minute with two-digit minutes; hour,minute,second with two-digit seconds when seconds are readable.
6,14
